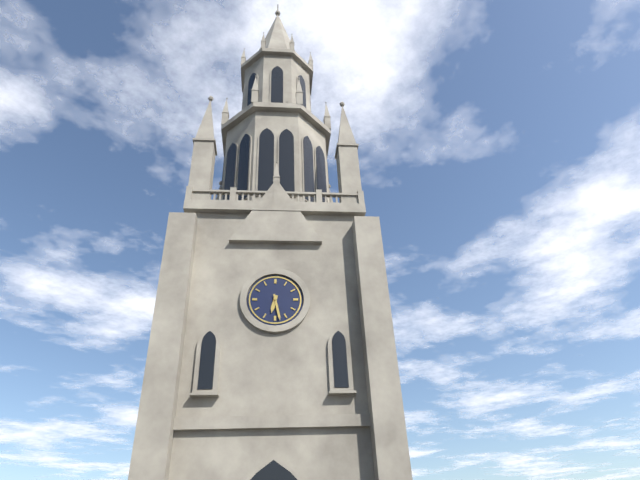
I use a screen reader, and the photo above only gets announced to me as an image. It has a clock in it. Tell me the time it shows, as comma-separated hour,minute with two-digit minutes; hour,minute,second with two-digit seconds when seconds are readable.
6,28
